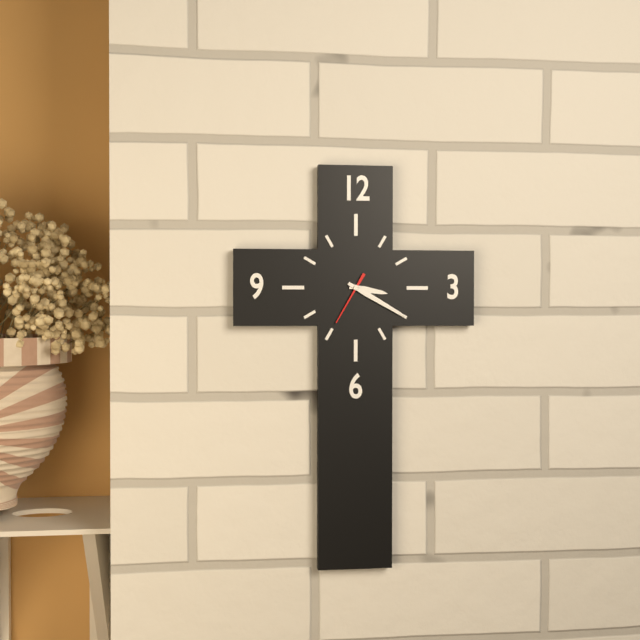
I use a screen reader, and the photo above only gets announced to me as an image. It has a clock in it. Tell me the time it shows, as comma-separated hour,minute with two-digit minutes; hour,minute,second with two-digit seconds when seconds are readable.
3,20,35
